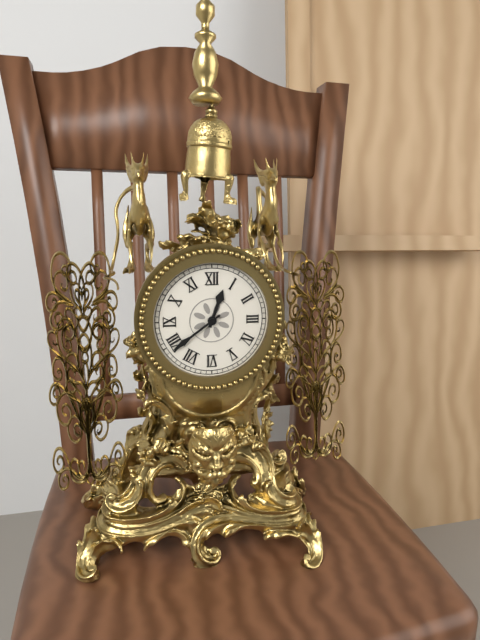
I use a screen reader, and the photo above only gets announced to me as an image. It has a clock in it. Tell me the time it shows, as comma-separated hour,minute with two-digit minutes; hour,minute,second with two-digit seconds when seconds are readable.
12,39
